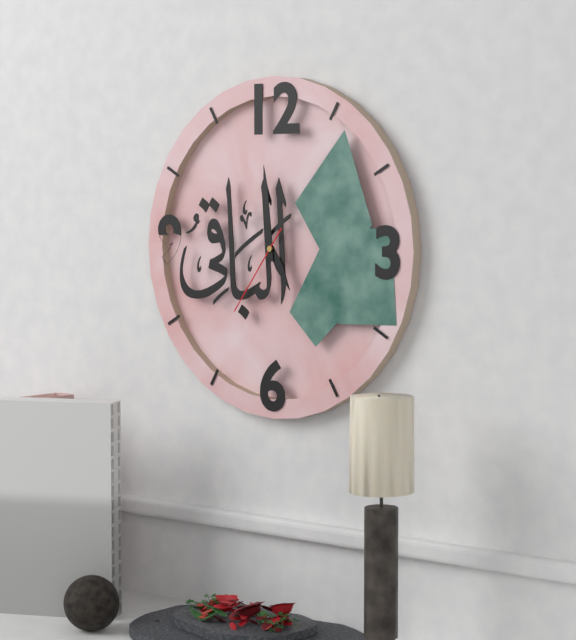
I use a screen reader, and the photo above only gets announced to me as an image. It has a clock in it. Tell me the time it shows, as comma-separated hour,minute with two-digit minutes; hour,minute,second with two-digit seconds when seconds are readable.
4,59,36
